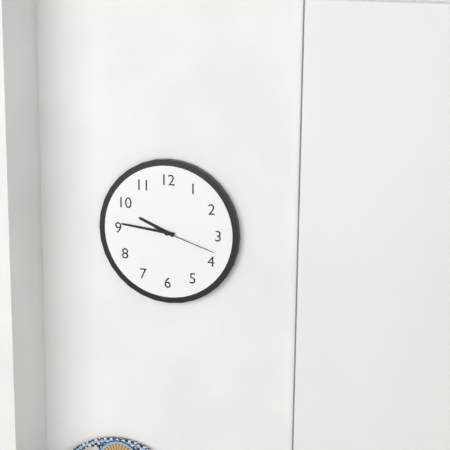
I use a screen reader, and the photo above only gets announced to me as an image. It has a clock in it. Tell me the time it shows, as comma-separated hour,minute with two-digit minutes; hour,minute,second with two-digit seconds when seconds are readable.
9,46,18
